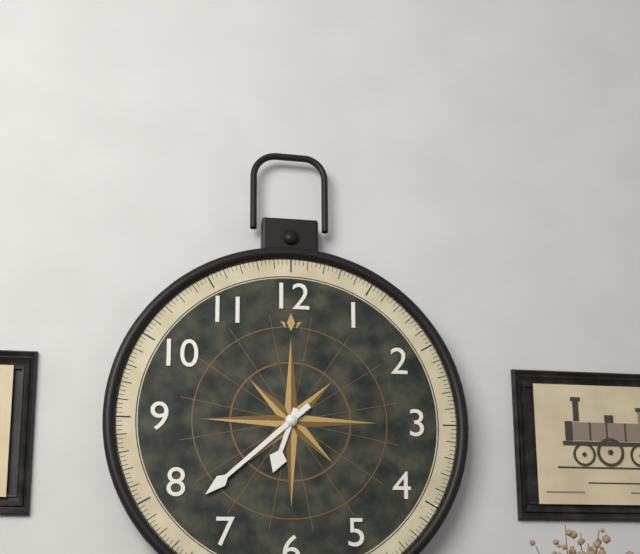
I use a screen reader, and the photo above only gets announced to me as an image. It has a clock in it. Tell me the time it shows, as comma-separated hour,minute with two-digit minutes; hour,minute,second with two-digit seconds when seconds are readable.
6,38
